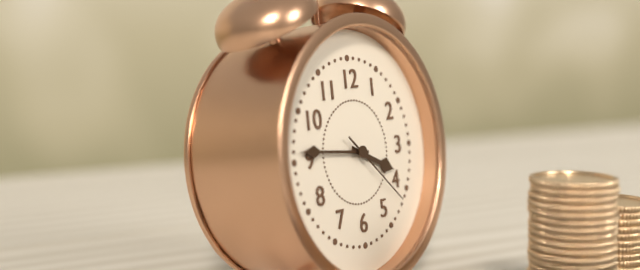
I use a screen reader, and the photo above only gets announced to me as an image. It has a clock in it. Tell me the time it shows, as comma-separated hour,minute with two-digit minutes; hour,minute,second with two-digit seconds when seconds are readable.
3,46,22
